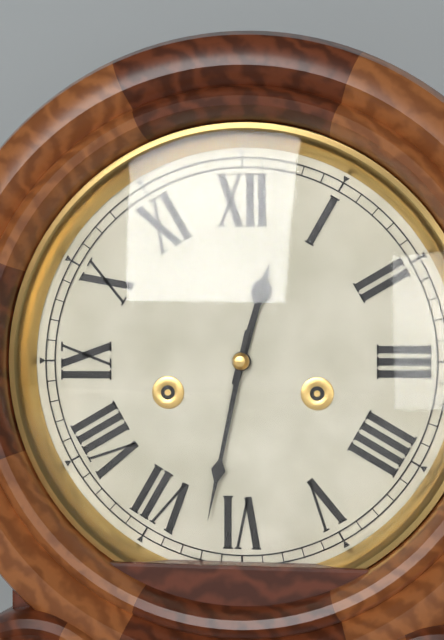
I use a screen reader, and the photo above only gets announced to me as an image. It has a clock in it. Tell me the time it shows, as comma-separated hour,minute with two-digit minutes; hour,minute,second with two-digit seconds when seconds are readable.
12,32
